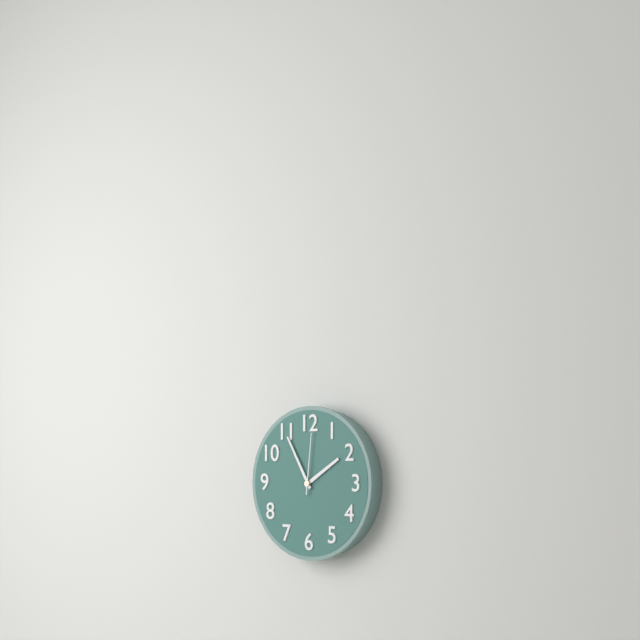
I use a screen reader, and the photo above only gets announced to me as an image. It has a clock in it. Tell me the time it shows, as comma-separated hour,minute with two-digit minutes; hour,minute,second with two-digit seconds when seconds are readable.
1,55,01
